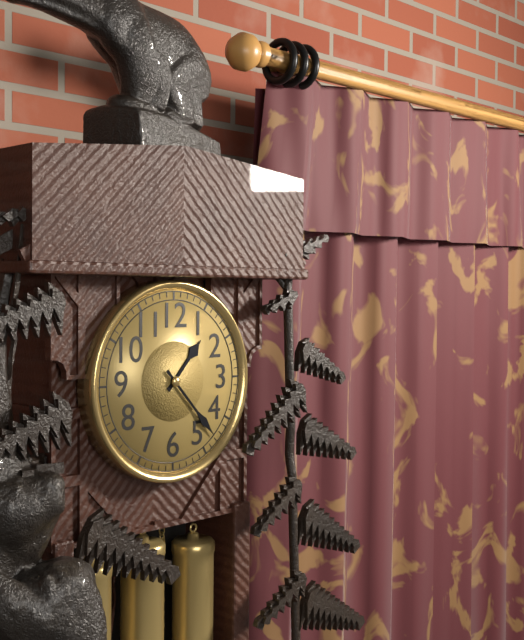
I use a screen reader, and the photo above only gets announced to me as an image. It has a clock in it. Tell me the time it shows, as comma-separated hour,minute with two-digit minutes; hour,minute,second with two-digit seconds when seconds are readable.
1,23
